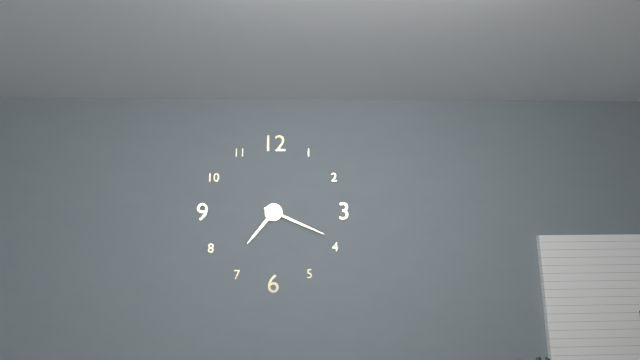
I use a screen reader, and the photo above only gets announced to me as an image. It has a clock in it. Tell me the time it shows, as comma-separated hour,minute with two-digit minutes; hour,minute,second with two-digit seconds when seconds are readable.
7,19
